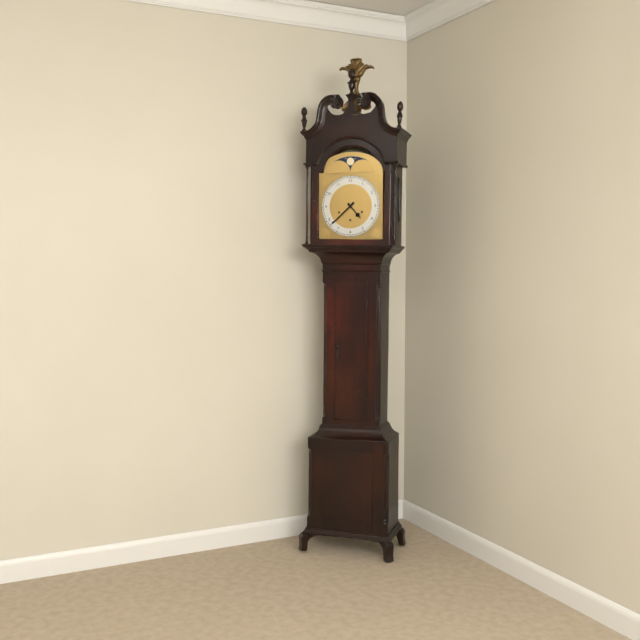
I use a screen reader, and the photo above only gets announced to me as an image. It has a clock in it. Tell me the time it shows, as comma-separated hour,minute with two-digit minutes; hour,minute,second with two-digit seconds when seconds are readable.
4,38
